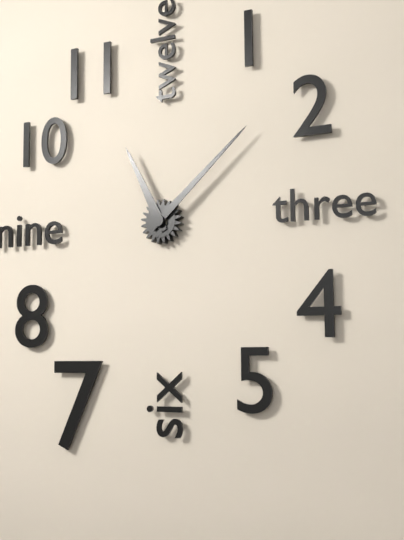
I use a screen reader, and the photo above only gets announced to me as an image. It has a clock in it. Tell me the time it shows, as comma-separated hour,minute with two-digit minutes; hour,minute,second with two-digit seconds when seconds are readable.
11,08
